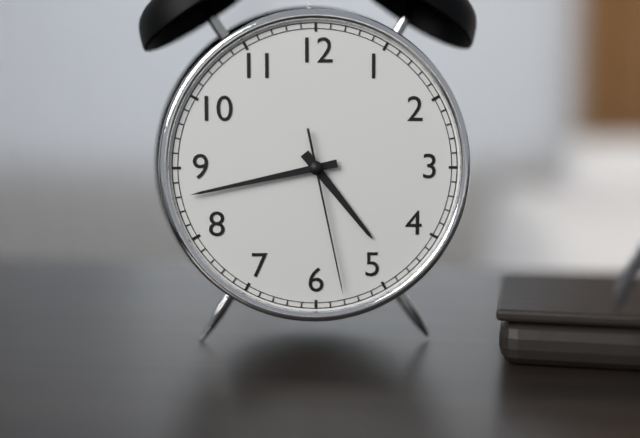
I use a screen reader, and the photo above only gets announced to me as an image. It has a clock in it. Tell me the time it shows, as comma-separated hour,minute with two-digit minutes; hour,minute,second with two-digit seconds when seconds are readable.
4,43,28
